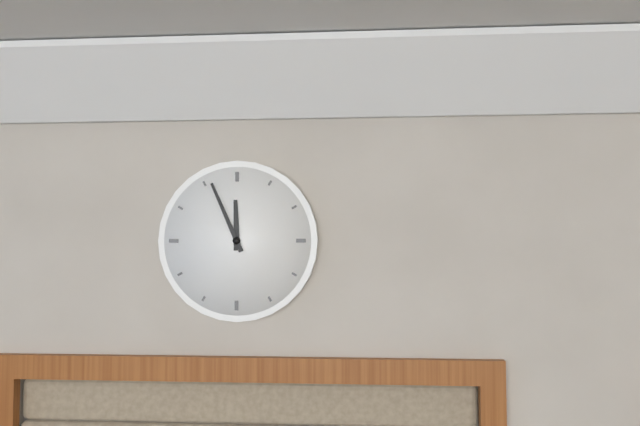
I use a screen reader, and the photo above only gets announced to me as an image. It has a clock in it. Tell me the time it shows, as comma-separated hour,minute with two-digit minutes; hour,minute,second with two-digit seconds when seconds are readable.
11,56
